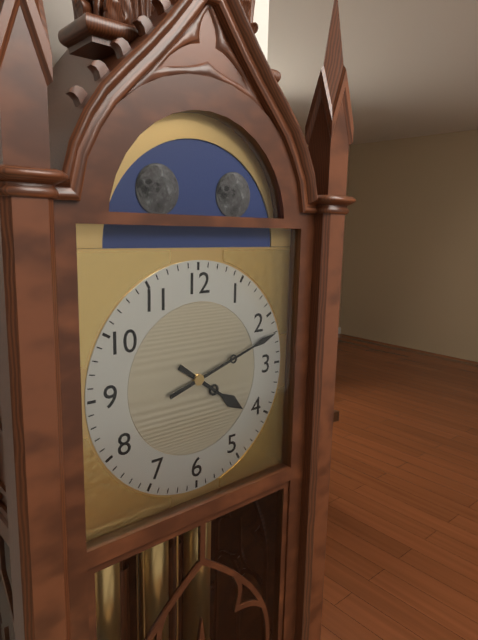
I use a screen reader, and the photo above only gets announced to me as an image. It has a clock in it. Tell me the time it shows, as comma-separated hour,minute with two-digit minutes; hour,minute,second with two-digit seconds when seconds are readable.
4,12
